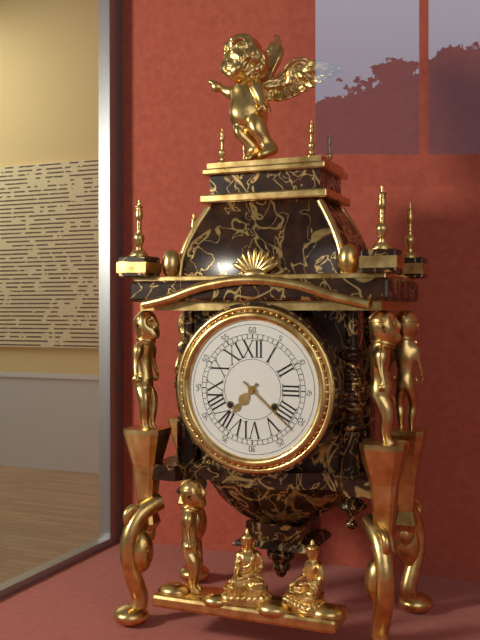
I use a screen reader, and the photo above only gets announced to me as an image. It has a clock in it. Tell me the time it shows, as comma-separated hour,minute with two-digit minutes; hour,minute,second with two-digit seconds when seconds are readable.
7,22
